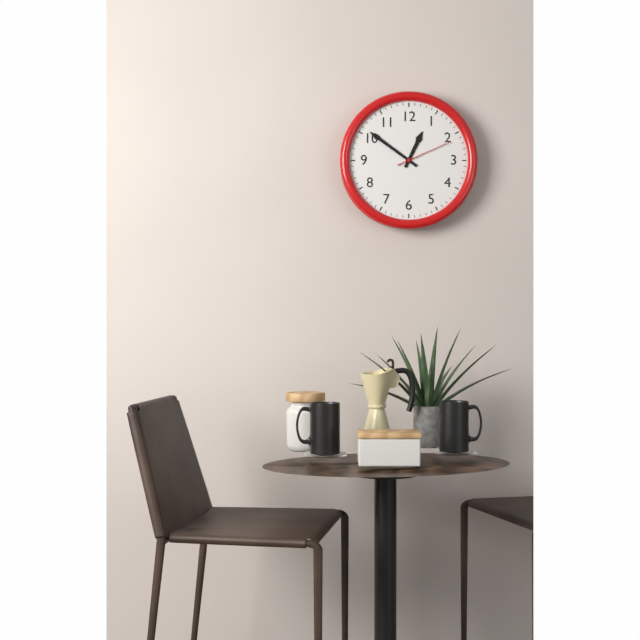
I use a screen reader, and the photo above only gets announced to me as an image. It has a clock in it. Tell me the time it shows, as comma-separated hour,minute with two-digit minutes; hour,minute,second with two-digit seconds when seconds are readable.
12,51,11
